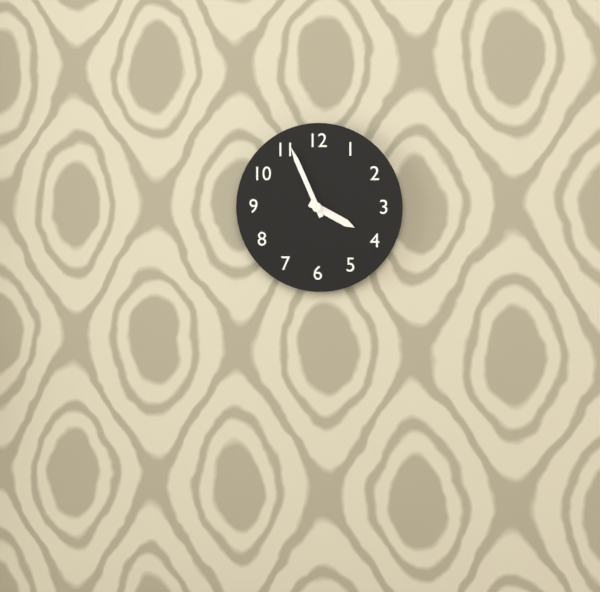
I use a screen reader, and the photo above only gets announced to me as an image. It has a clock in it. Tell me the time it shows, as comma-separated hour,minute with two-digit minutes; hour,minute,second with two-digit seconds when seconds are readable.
3,56
